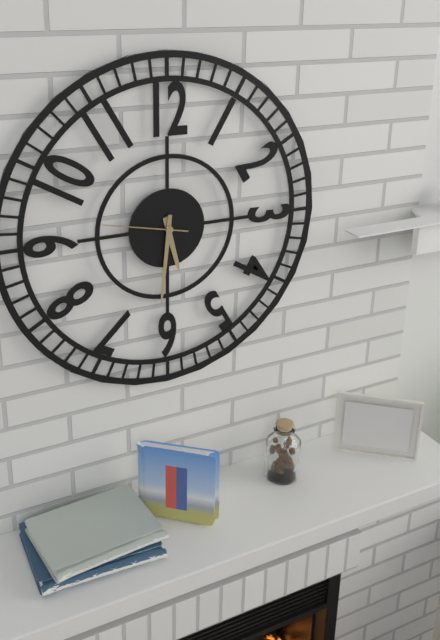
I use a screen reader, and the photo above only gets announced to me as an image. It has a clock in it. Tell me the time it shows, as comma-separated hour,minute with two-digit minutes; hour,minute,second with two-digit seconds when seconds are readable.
5,31,47
